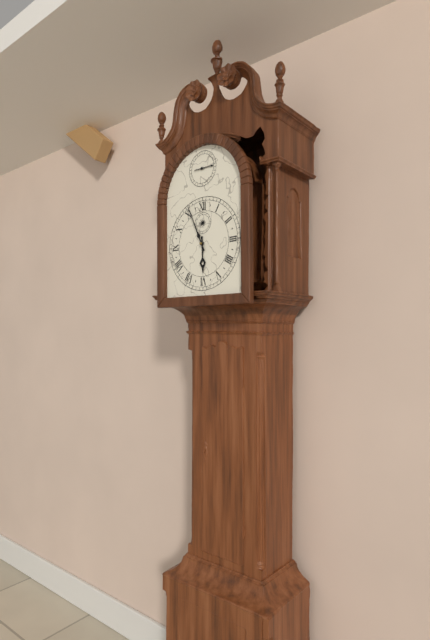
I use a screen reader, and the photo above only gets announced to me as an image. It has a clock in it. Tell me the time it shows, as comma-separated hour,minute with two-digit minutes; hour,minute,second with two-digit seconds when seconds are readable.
5,56
